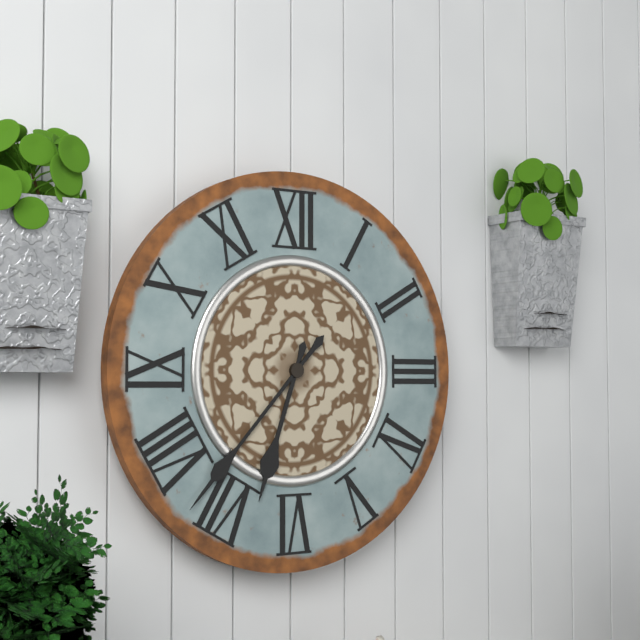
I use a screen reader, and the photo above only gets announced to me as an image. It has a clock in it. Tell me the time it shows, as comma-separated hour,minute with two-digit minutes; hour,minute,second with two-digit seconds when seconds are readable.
6,37
